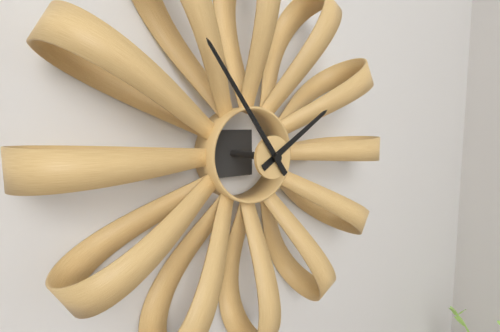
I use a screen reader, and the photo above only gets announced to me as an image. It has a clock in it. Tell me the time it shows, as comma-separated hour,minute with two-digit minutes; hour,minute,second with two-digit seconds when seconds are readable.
1,54
